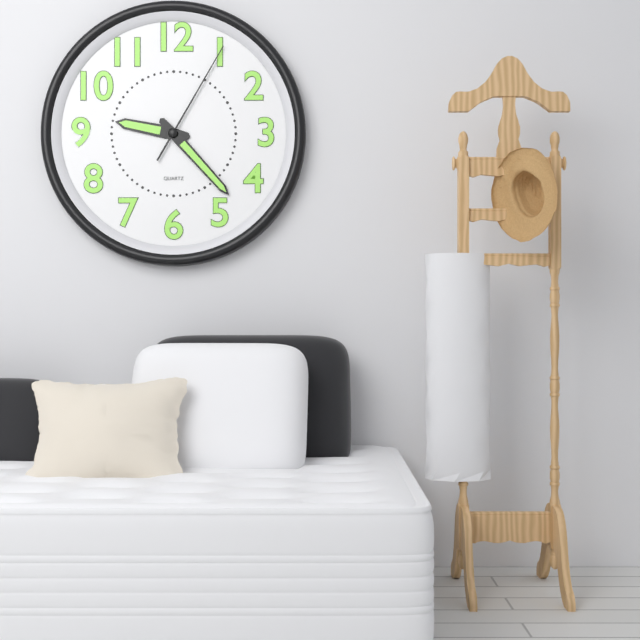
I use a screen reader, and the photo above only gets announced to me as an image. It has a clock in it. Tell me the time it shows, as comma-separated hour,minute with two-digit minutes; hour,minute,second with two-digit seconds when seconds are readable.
9,23,05
